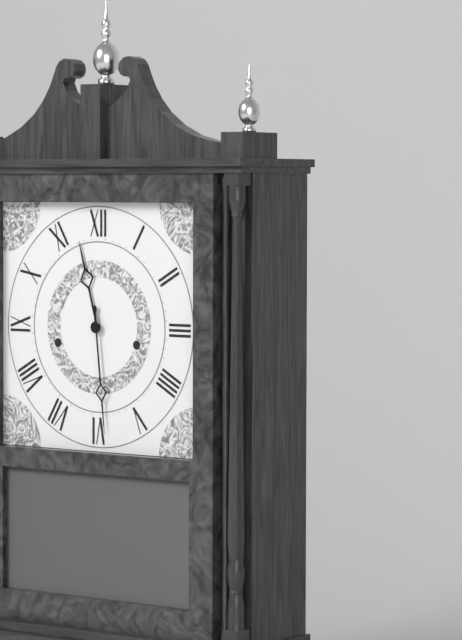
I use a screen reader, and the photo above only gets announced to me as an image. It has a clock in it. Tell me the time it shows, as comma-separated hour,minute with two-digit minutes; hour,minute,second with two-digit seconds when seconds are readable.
11,29
